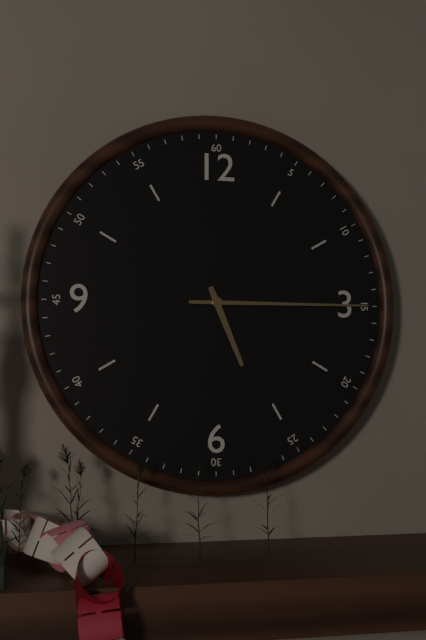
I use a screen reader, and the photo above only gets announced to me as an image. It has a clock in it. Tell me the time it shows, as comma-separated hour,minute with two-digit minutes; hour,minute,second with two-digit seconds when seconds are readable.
5,15
